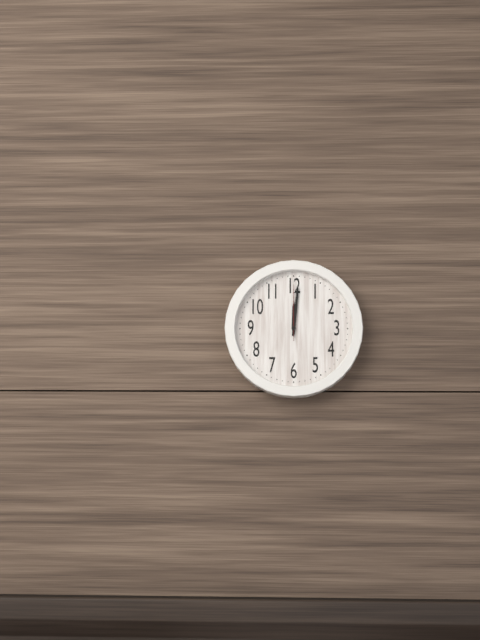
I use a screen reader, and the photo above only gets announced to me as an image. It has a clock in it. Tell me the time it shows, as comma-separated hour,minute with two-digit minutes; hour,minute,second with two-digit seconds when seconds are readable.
12,01,00
